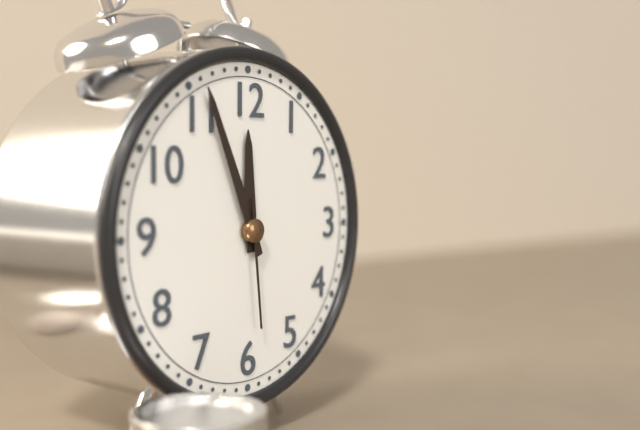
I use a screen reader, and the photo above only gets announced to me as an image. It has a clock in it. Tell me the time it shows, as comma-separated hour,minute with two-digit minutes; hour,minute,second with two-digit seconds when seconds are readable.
11,56,29
